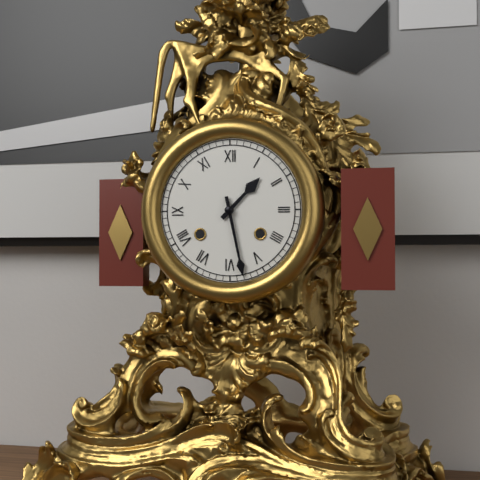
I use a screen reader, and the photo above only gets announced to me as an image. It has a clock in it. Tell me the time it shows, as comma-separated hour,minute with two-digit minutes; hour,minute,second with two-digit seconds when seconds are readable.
1,28
